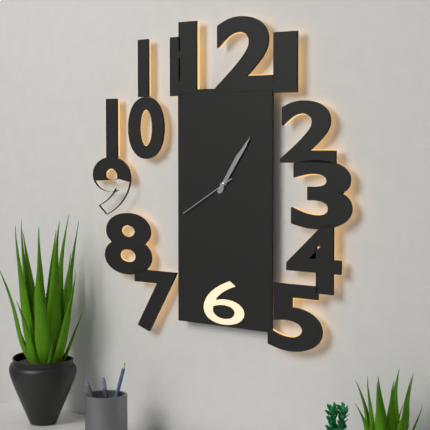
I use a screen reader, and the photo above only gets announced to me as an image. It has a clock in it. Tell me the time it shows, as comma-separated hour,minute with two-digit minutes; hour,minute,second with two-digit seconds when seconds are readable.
1,06,40
